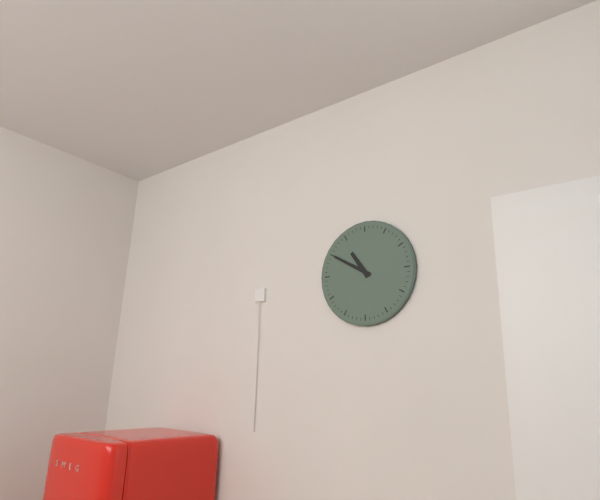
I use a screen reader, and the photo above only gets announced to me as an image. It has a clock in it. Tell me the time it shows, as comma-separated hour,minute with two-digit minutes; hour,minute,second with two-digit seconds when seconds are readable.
10,50
